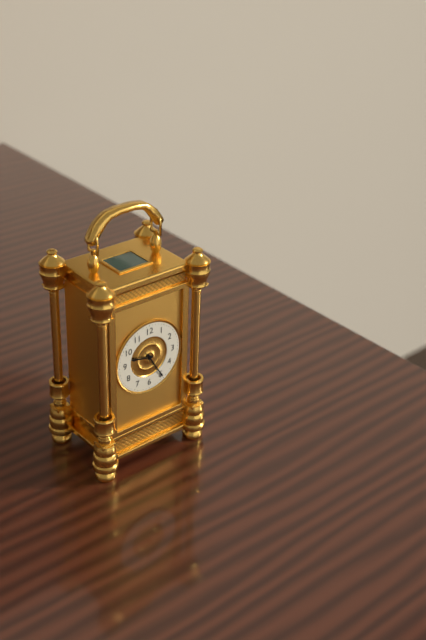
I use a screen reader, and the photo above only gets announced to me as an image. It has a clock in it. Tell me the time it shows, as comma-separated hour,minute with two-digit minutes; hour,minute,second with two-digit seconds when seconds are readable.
9,25
